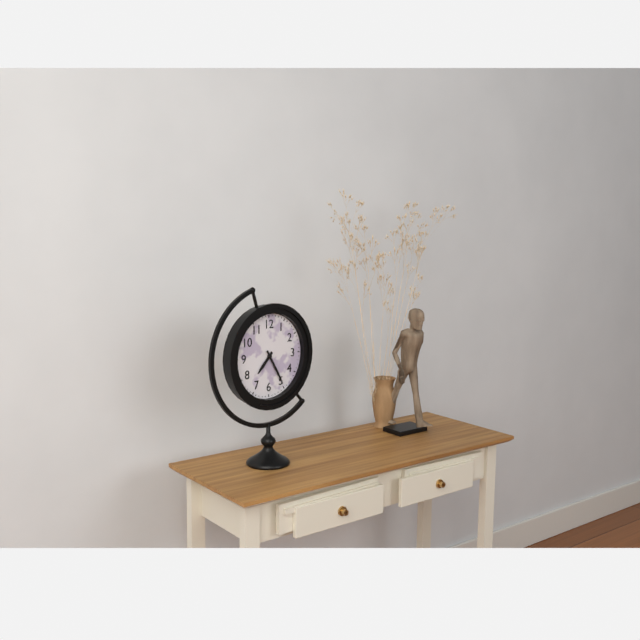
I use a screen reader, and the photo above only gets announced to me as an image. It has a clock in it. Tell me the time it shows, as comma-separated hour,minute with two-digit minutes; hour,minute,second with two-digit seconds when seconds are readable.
7,25
